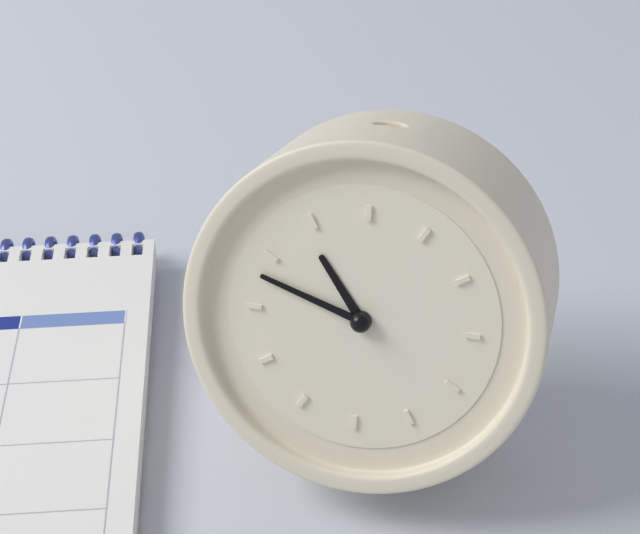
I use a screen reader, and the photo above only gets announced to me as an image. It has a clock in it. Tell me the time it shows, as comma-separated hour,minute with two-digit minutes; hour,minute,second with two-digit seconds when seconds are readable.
10,48
